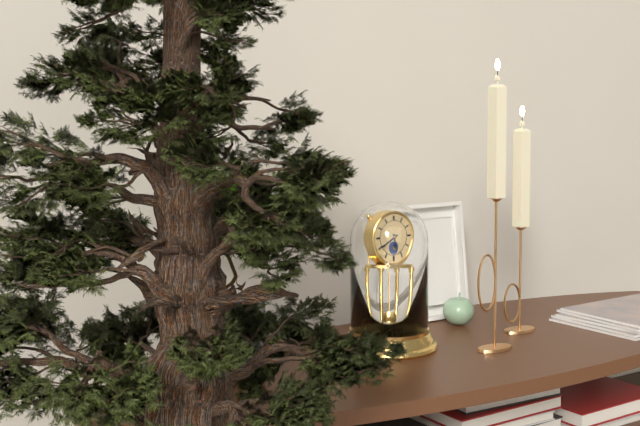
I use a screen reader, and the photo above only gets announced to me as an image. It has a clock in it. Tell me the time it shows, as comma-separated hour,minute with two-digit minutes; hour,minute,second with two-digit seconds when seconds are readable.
5,40
